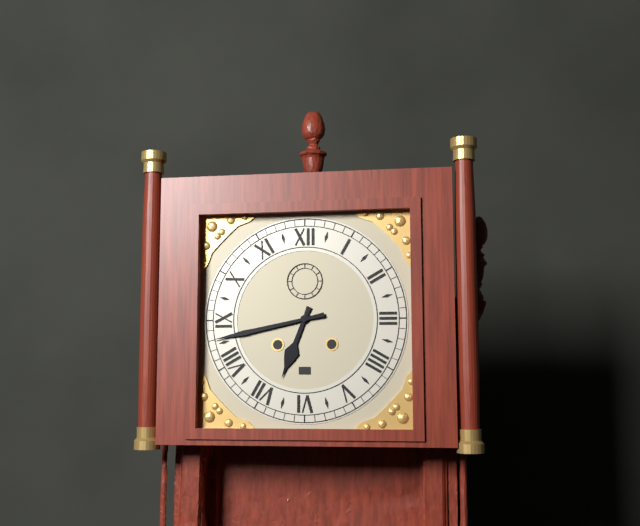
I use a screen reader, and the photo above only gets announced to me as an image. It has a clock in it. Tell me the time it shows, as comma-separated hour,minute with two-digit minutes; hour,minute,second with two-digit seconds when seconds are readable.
6,43
